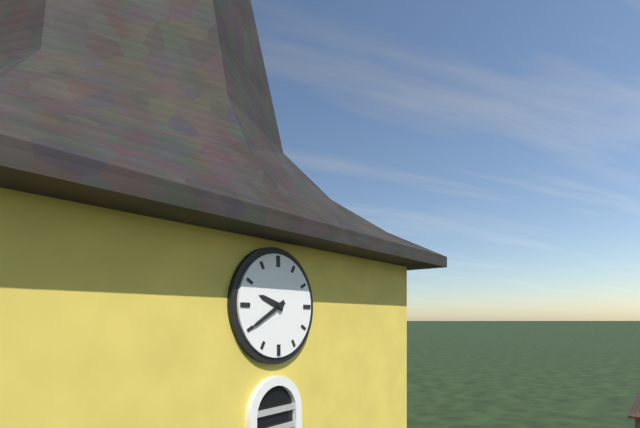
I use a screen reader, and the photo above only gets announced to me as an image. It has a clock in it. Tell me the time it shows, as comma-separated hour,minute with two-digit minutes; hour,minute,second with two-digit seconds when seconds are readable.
9,40
